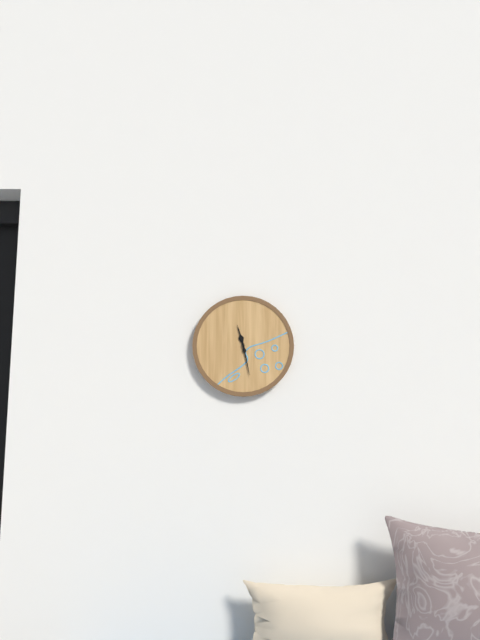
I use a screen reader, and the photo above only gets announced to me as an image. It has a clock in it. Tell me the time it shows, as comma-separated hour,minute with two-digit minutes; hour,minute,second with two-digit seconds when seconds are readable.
11,28
